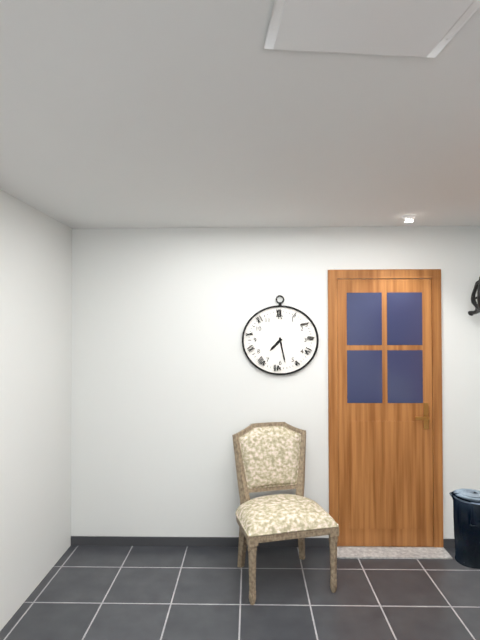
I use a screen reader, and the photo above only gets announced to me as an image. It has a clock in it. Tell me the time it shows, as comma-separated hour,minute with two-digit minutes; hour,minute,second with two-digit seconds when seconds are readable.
7,28
